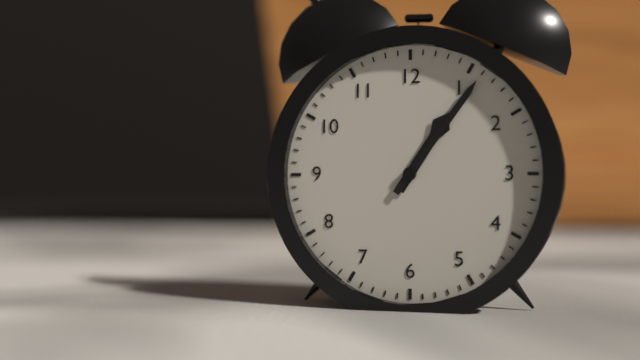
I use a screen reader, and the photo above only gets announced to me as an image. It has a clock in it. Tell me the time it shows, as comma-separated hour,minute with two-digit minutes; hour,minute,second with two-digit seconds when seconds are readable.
1,06
